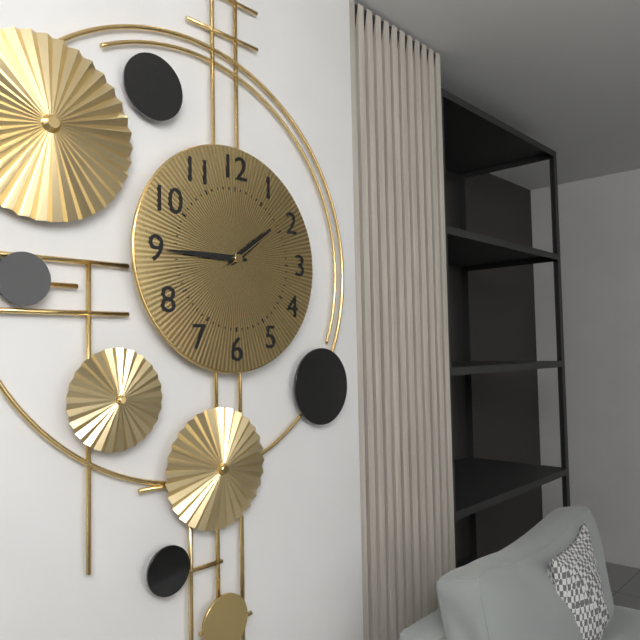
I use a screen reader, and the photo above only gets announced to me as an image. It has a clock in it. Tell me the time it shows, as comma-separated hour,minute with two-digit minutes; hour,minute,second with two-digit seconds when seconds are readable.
1,45,09
